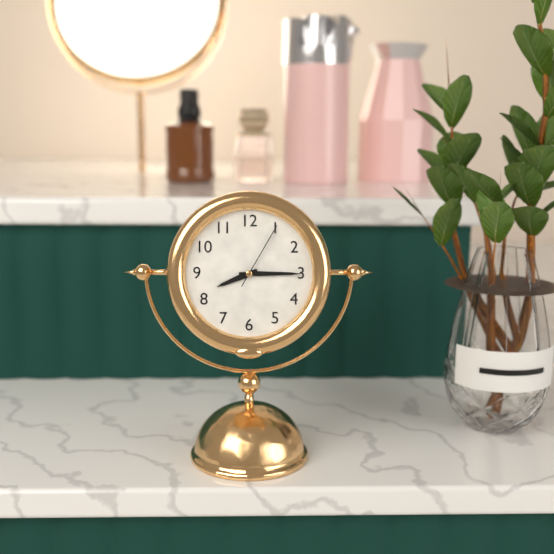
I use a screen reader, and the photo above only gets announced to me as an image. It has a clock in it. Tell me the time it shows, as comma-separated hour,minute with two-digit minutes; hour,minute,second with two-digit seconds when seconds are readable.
8,15,05
